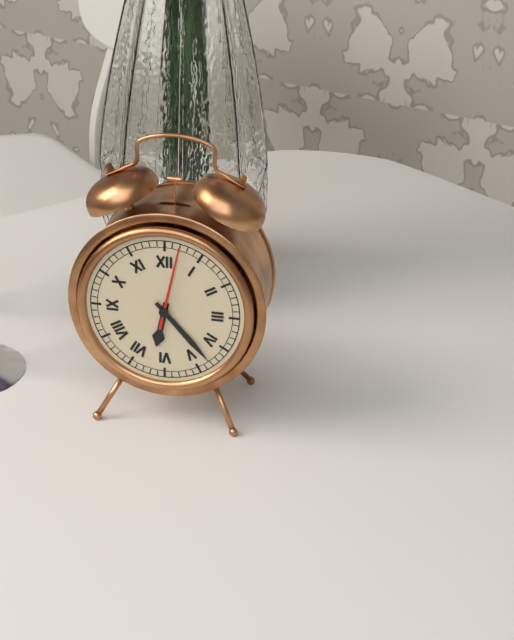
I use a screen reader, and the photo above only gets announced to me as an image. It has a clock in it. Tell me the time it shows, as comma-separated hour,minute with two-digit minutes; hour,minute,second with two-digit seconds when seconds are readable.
6,23,02
